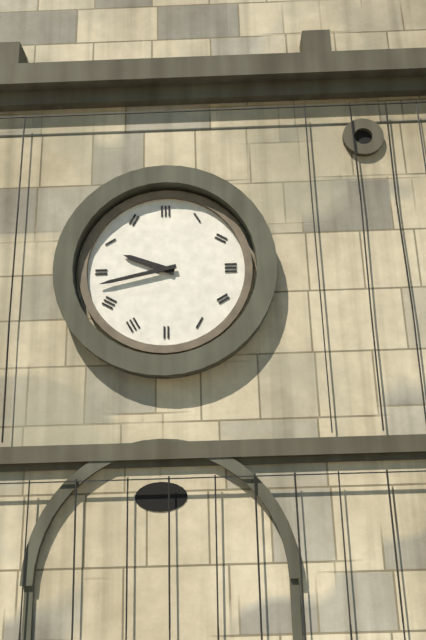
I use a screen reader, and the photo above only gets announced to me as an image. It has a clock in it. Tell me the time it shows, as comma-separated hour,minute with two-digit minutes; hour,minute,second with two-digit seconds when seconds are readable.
9,43
